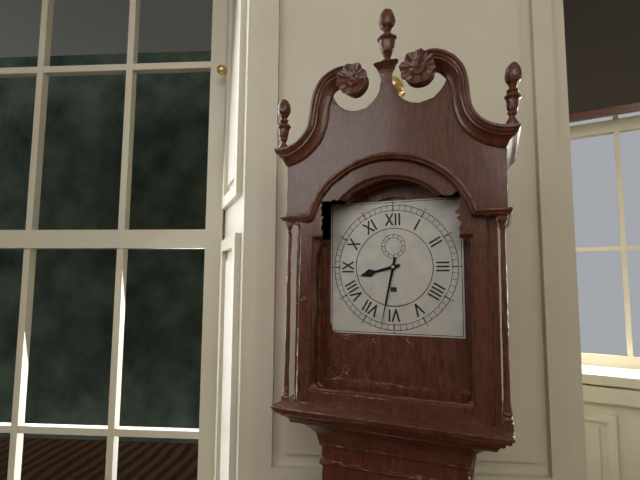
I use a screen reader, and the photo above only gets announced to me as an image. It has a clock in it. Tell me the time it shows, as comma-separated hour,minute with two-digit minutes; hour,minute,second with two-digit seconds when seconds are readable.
8,32
